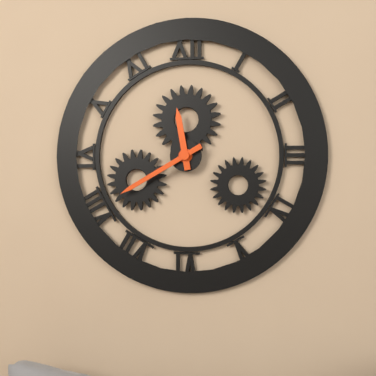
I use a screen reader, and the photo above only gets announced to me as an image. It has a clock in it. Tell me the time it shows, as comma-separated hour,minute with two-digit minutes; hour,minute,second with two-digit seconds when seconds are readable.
11,40
